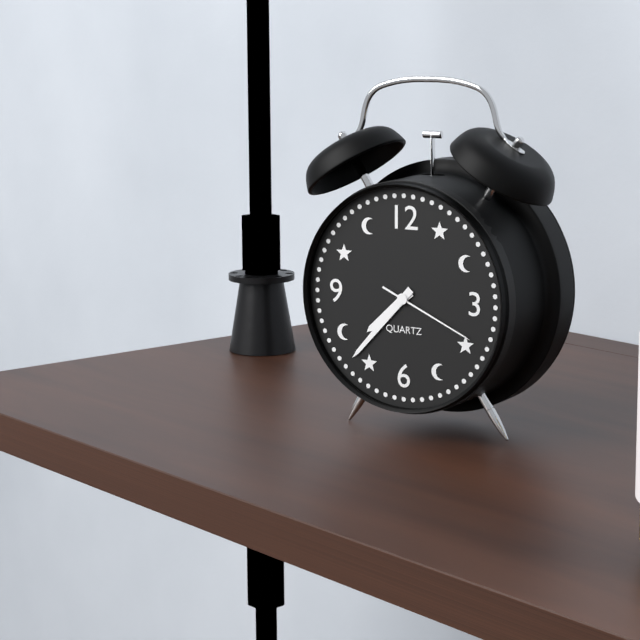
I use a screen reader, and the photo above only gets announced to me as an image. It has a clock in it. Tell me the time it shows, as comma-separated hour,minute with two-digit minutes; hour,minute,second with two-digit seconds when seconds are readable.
7,37,19
